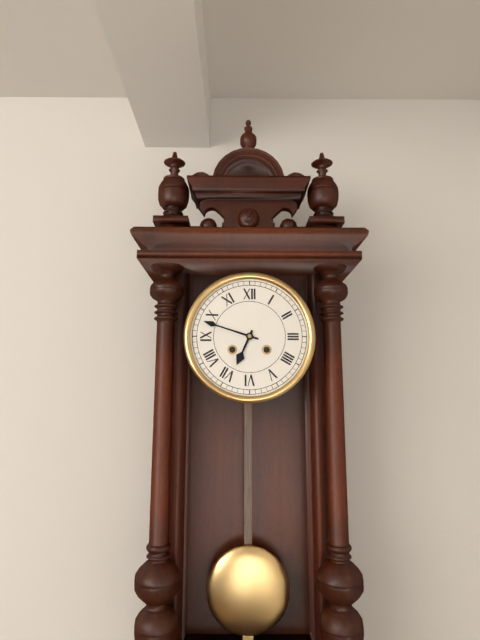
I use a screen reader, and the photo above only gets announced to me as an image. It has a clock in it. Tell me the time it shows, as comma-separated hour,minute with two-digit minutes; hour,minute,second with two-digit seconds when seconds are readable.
6,48
